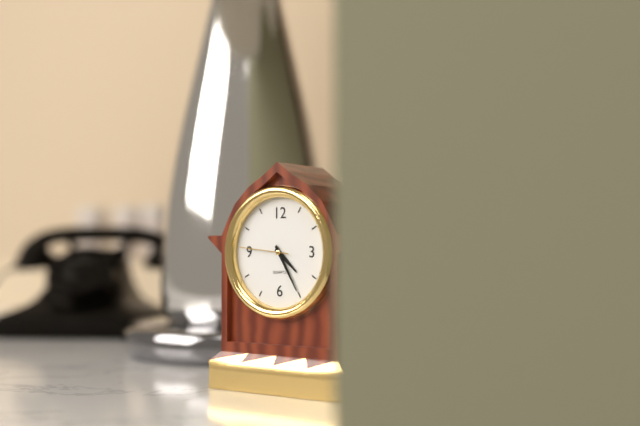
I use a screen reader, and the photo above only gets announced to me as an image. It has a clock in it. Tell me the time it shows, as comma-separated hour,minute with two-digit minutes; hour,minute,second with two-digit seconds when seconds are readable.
4,25
